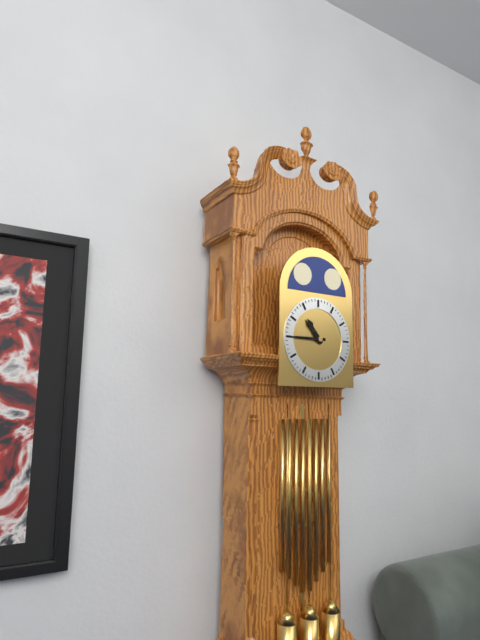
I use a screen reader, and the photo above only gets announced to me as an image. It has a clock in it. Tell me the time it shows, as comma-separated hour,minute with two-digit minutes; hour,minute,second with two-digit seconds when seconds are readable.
10,45
